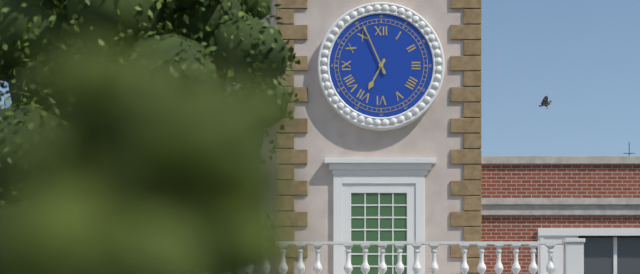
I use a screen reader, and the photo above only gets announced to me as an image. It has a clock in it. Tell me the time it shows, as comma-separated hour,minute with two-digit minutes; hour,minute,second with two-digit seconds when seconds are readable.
6,56
